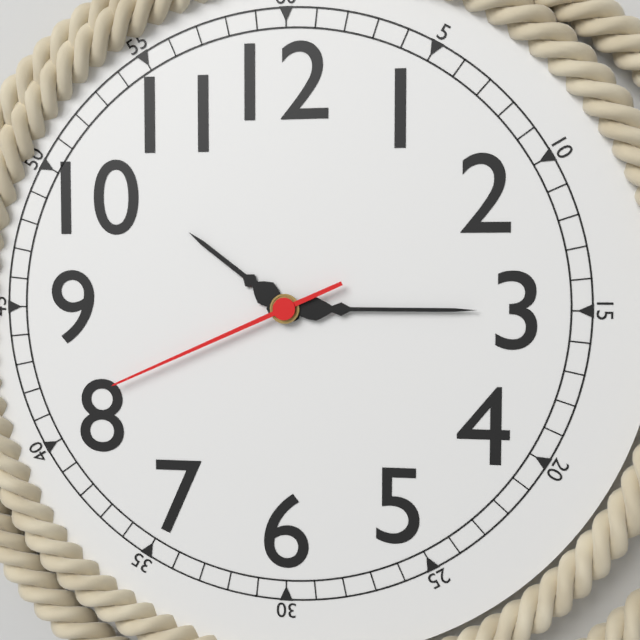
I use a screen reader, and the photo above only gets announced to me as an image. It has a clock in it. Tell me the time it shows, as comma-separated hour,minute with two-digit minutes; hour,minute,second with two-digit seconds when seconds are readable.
10,15,41
